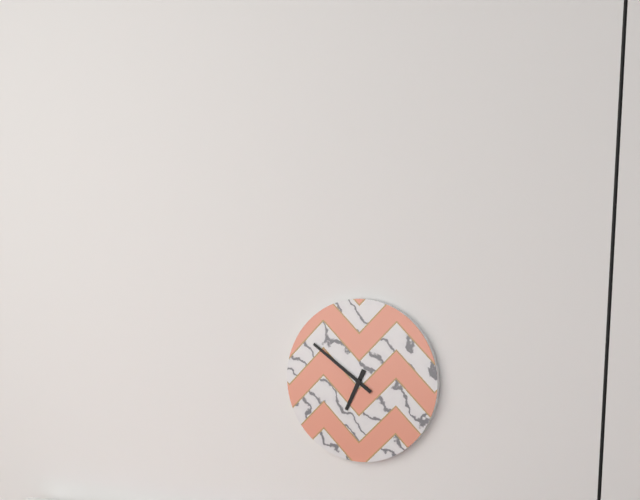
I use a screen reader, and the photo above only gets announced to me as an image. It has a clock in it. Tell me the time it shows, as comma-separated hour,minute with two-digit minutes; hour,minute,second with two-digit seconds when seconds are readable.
6,51
